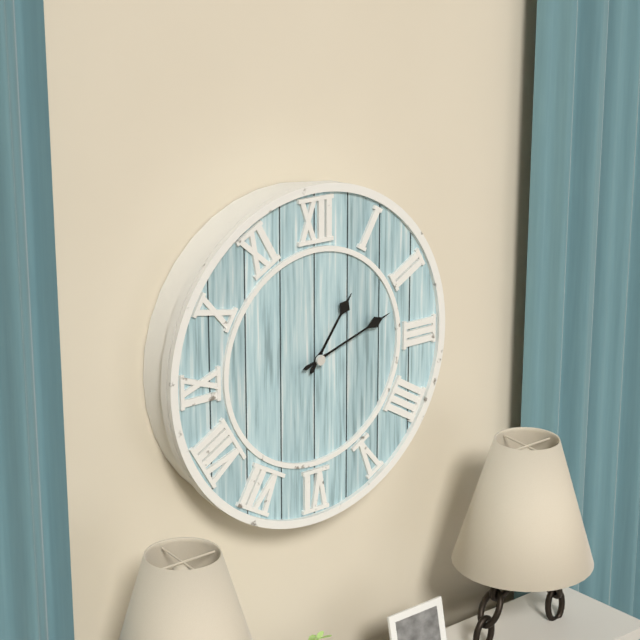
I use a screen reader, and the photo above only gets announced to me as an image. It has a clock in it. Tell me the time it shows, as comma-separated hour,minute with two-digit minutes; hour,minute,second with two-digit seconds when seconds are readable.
1,12
